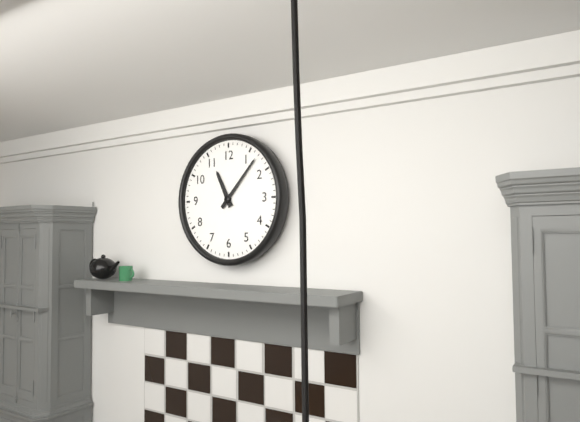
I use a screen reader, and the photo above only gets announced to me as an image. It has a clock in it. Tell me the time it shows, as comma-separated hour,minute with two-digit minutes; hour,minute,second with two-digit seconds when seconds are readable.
11,07
